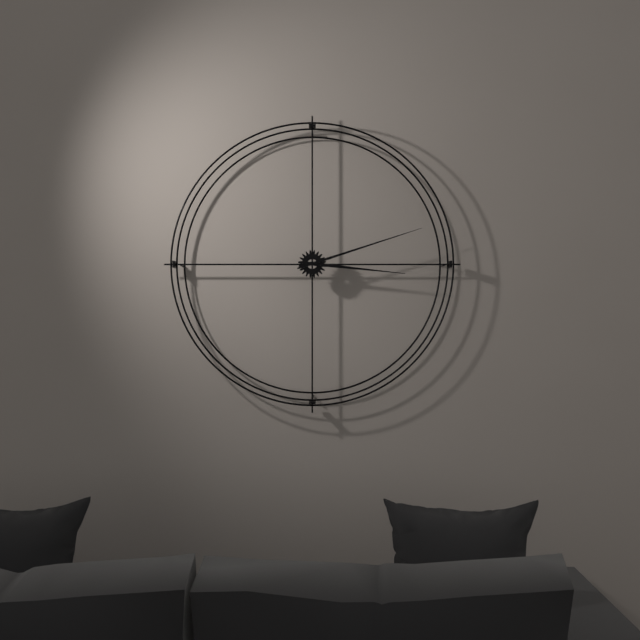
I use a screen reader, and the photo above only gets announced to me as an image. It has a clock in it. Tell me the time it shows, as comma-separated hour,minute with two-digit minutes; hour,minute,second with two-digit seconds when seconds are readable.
3,12
